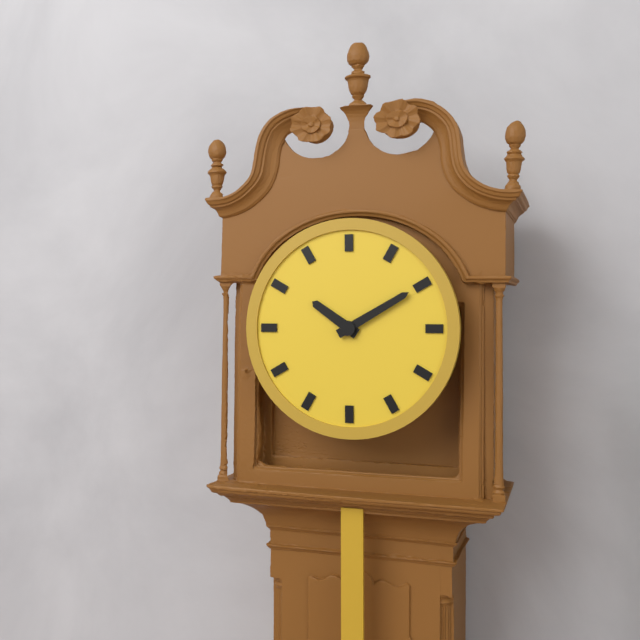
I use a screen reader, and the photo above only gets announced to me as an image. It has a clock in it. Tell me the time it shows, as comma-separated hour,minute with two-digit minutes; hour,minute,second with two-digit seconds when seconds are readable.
10,10
